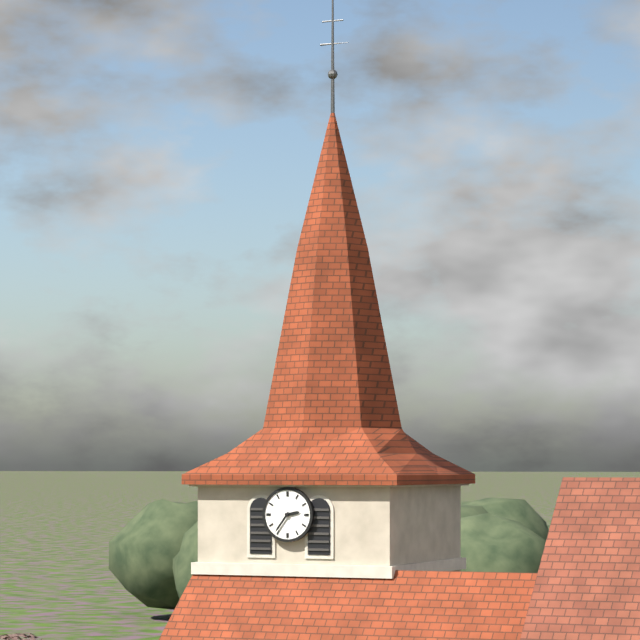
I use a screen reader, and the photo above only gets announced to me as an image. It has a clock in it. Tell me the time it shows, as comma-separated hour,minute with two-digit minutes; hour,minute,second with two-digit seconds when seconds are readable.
2,36
